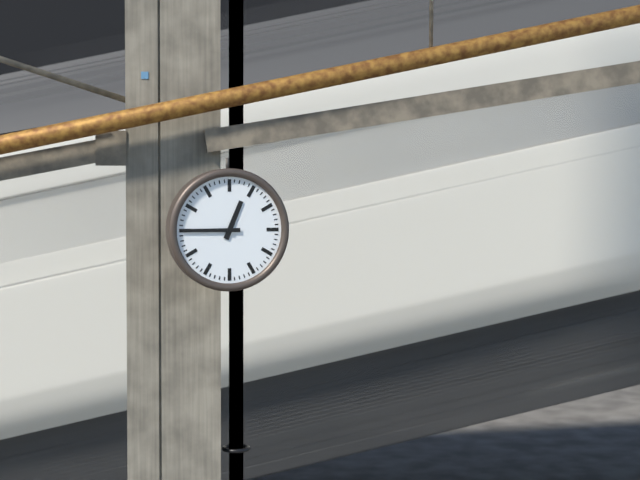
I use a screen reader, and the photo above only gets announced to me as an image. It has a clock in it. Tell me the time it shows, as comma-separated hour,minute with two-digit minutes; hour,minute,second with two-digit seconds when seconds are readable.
12,45
